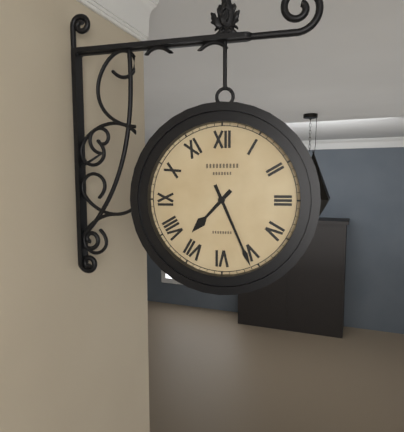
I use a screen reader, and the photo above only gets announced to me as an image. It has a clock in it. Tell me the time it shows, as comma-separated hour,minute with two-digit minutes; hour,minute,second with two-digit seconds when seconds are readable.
7,26
